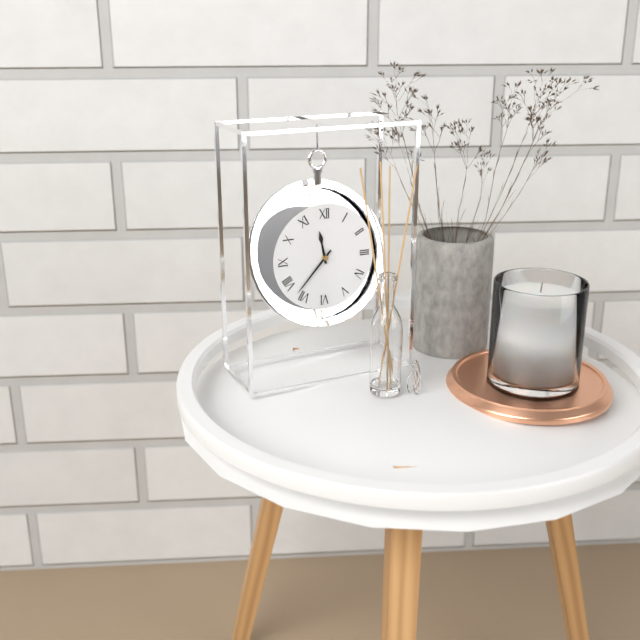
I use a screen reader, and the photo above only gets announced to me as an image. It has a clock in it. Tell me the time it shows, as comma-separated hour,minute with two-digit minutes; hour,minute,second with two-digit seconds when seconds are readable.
11,37
